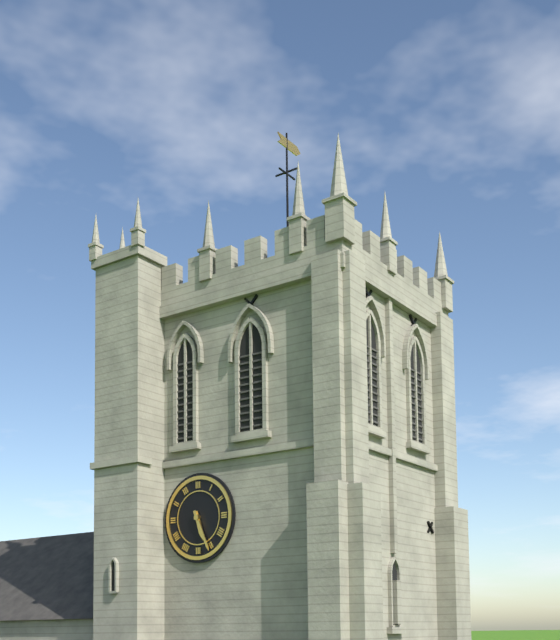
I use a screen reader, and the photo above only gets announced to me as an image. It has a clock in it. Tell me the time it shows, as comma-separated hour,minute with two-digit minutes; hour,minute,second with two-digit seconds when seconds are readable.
5,26
